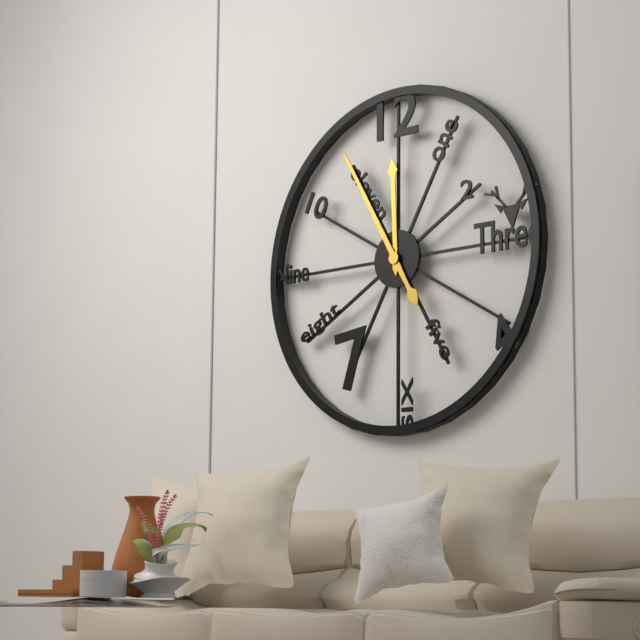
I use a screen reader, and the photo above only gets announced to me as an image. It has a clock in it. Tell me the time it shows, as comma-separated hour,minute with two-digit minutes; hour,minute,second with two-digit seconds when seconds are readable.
11,55
